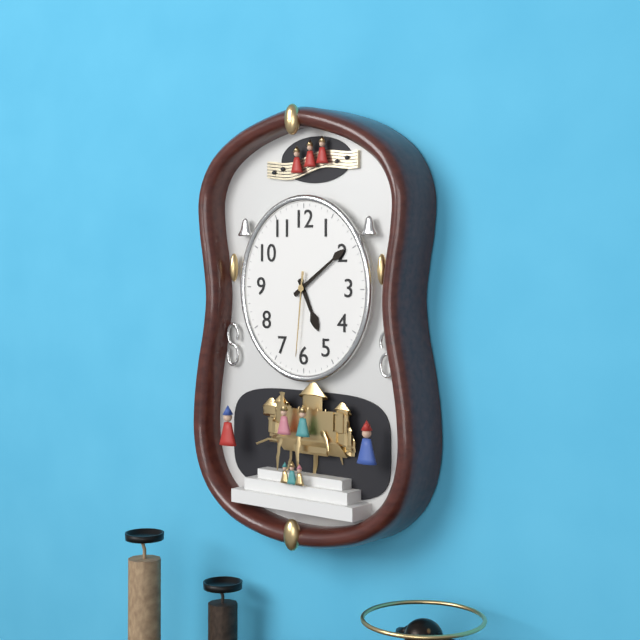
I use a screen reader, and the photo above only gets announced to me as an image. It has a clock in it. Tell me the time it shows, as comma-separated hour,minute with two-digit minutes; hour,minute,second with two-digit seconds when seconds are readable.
5,09,31
